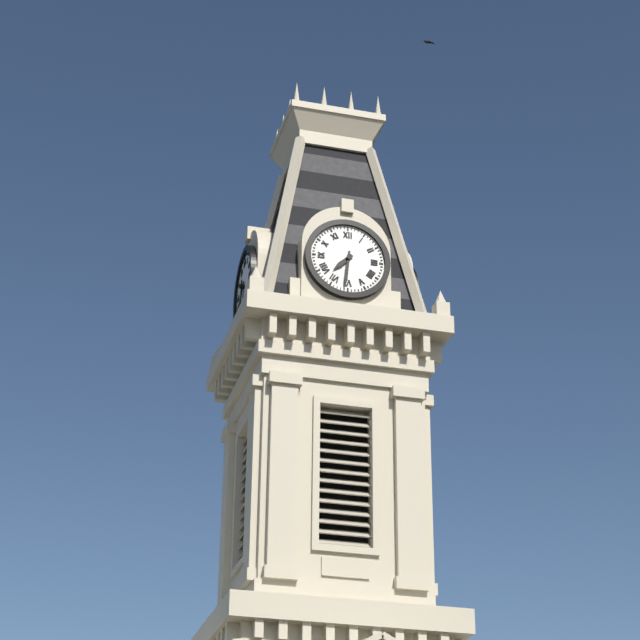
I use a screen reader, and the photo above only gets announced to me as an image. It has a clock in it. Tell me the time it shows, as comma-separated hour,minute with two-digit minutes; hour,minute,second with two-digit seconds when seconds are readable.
7,31
